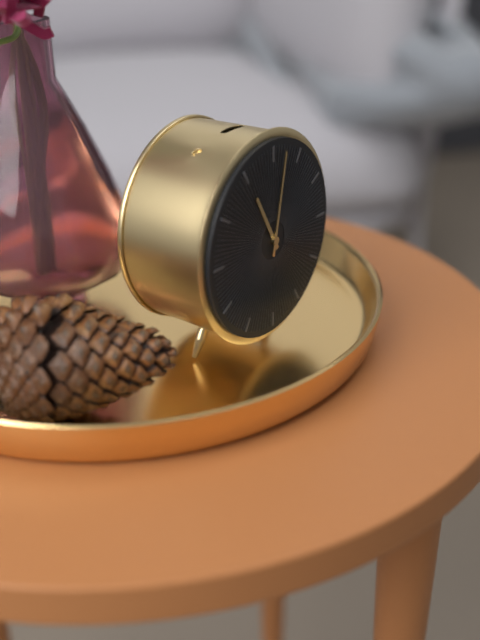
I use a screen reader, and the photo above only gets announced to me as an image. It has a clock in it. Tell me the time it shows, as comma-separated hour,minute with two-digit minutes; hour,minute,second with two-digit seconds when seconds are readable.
11,02
